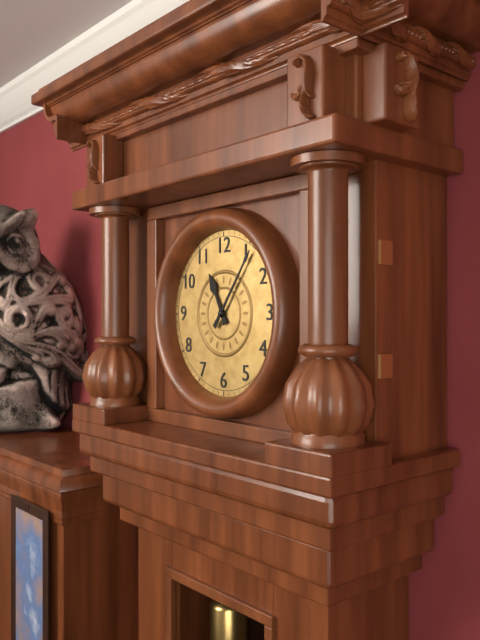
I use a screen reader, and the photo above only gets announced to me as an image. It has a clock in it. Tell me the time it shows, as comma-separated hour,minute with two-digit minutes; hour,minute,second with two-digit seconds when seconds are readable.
11,06
